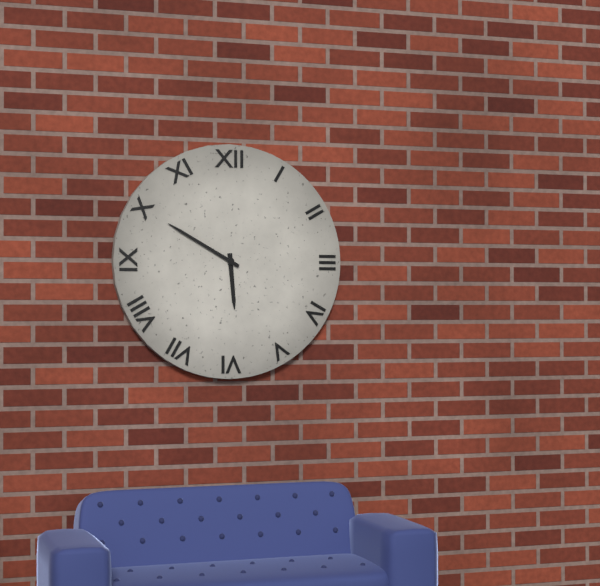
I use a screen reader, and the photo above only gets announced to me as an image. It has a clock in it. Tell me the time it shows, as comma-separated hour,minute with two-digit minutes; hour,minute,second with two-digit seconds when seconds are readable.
5,50
